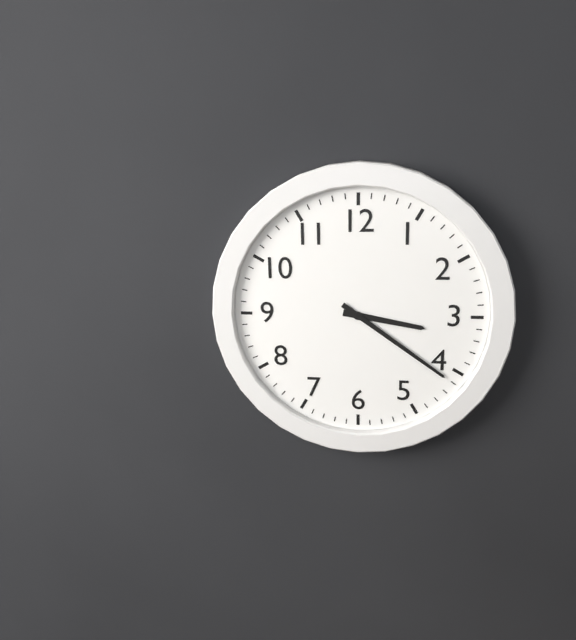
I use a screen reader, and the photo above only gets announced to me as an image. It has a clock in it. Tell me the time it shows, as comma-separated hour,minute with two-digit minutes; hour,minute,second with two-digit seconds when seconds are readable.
3,21
